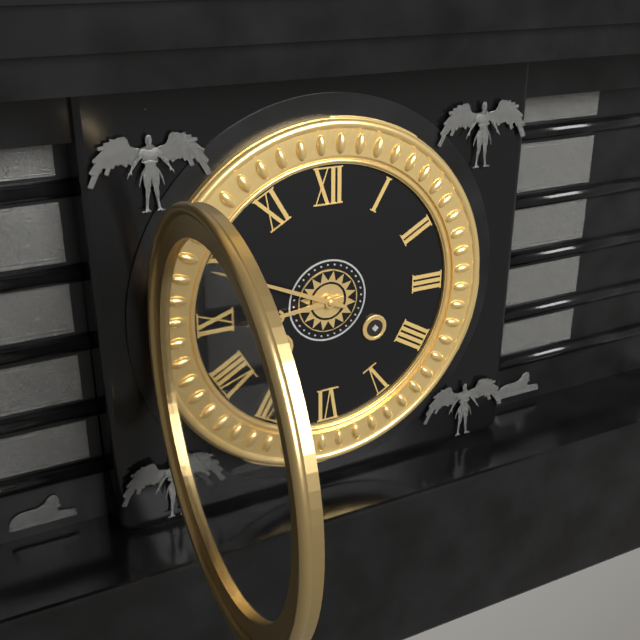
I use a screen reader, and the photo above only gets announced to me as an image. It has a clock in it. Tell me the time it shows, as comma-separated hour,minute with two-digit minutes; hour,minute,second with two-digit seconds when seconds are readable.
8,49
